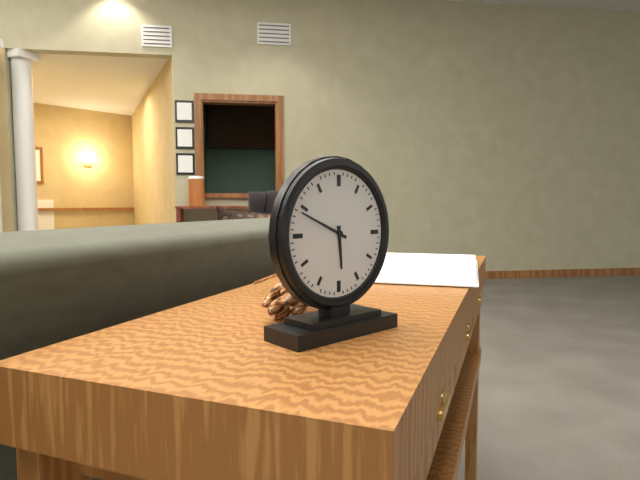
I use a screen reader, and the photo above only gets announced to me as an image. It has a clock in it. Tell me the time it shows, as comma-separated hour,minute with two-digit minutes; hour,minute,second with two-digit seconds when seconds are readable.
5,49
